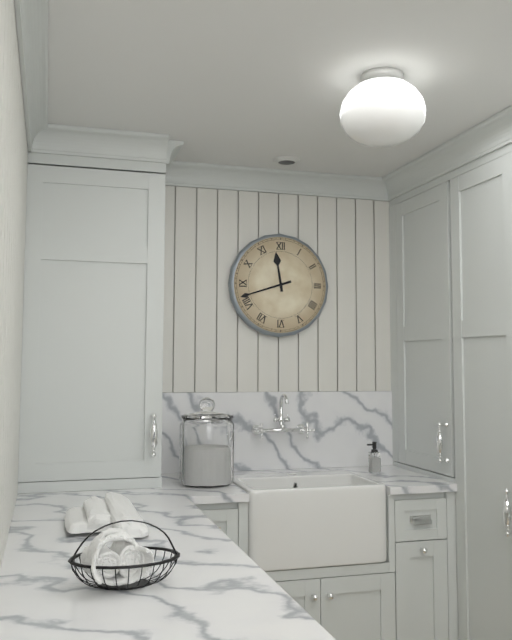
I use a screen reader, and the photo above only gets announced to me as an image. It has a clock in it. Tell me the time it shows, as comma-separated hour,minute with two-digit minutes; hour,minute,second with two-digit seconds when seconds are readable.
11,42
